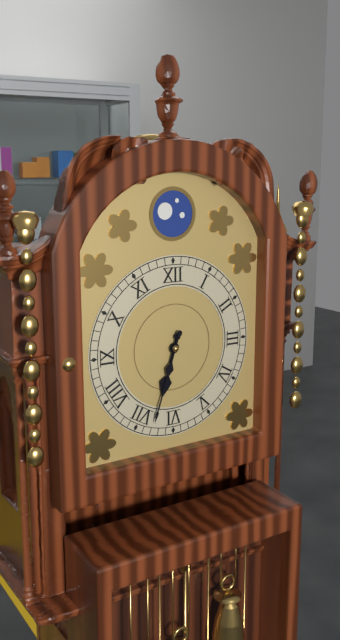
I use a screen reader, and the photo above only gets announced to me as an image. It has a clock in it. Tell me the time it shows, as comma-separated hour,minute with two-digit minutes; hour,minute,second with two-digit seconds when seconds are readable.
6,33
